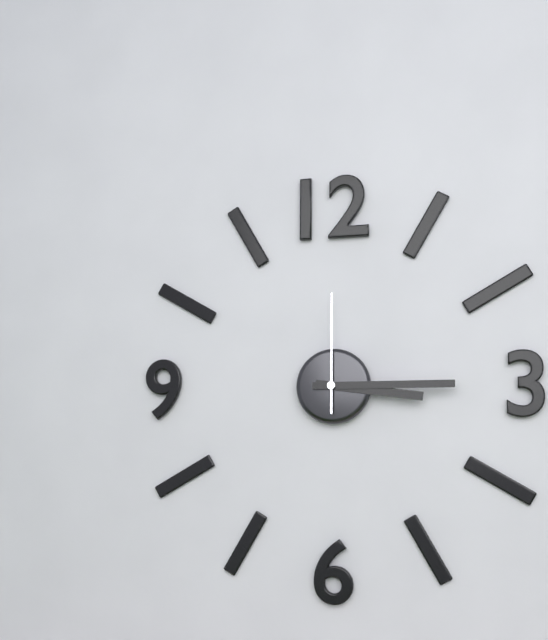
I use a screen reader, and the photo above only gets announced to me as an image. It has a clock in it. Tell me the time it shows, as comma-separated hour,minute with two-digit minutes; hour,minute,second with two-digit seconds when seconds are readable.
3,15,00
